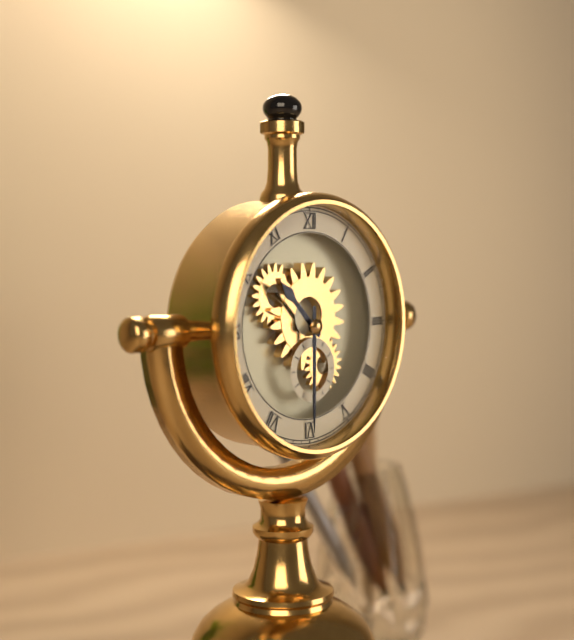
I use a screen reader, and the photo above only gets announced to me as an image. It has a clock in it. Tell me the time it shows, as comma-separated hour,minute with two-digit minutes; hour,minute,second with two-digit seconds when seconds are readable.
10,30
